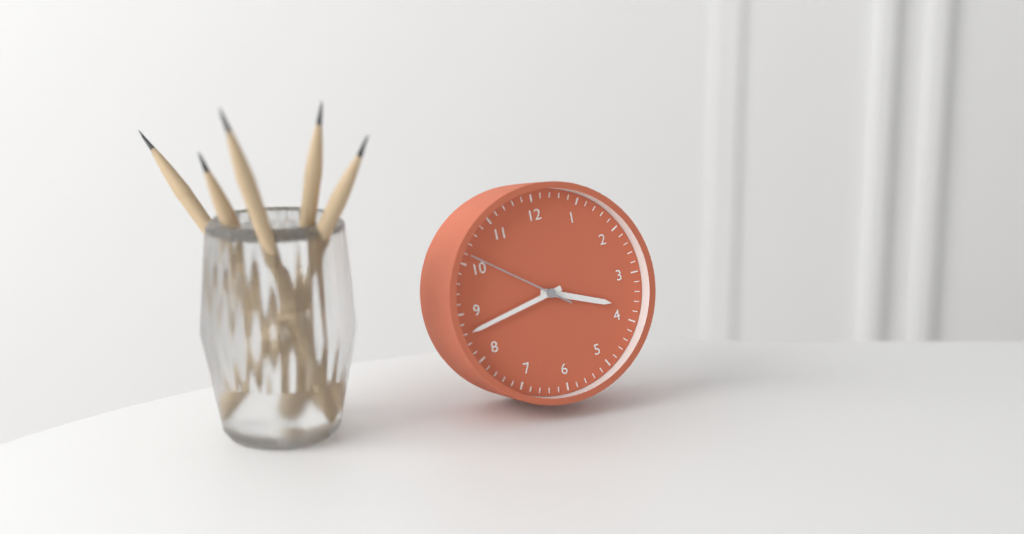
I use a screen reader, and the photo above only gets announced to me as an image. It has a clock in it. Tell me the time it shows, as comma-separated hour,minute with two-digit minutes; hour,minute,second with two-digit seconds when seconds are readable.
3,43,51
